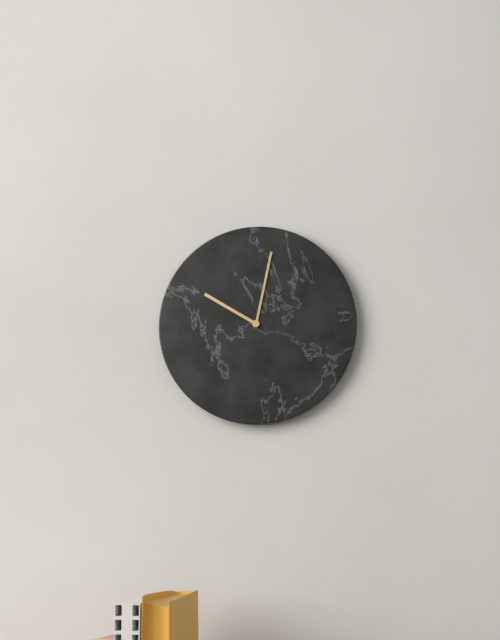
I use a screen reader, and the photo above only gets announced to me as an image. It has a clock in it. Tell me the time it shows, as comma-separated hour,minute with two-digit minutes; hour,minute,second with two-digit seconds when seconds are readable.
10,02
